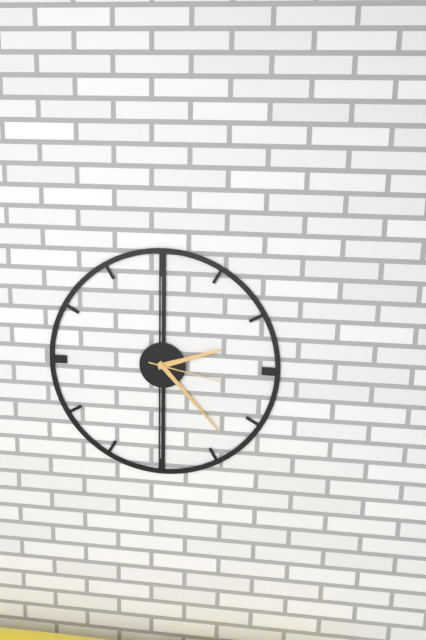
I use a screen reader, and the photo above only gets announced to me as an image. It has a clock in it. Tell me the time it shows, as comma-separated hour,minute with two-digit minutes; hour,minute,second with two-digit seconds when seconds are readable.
2,23,17
